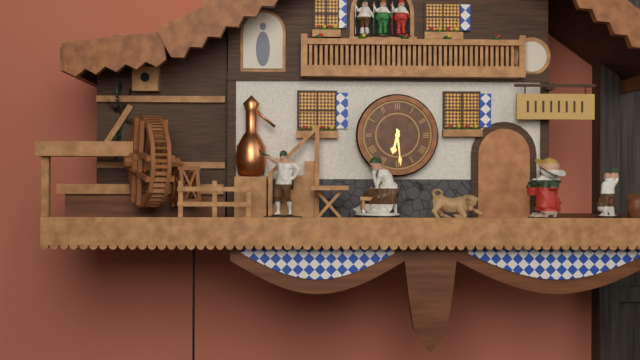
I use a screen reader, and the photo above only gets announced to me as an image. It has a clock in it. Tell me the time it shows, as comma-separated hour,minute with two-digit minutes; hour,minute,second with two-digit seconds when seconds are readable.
6,29
